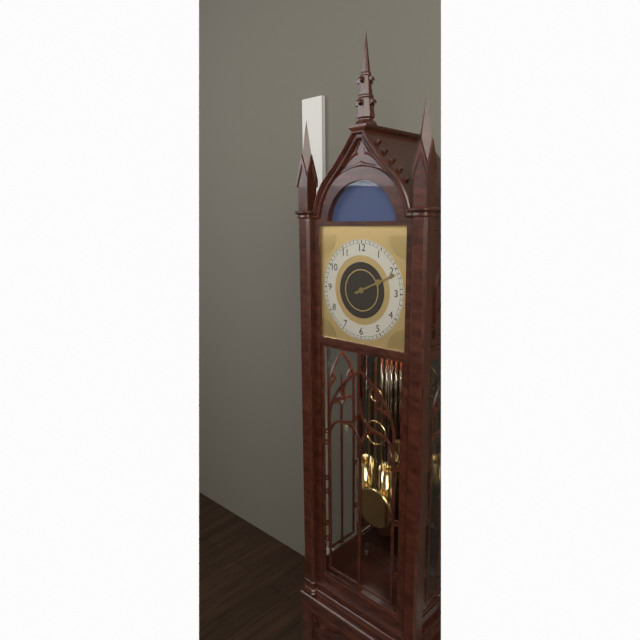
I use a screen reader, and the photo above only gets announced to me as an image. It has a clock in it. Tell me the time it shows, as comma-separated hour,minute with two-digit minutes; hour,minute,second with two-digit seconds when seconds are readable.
2,11
